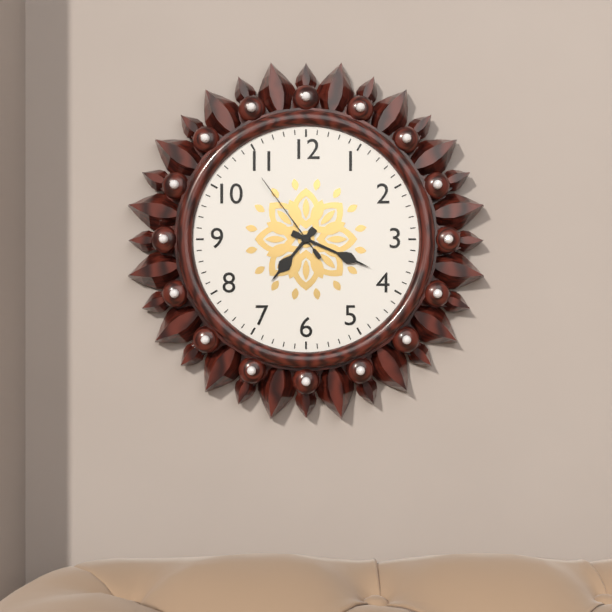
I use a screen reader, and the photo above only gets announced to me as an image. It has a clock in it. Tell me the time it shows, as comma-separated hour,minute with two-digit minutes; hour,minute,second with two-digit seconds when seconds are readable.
7,19,54
